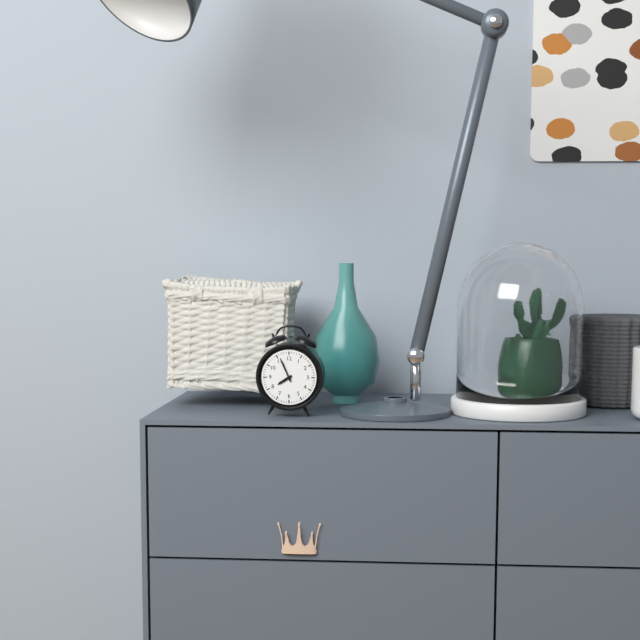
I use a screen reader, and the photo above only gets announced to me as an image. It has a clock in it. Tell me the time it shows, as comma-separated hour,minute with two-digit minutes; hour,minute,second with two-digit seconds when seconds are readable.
7,56
